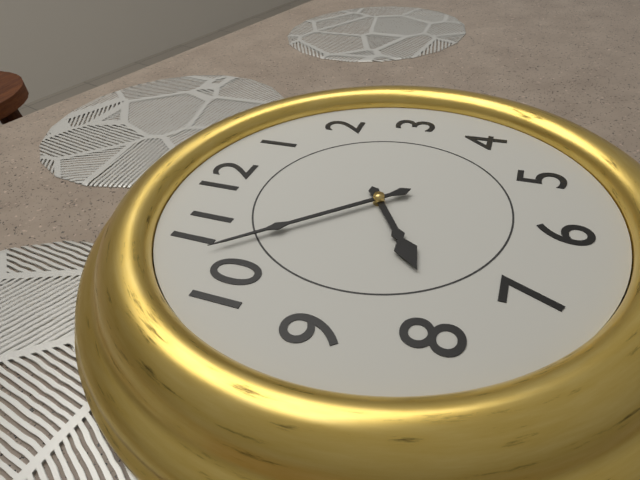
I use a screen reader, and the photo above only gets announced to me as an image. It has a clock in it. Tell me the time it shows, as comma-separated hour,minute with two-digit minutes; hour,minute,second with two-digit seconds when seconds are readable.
7,53
